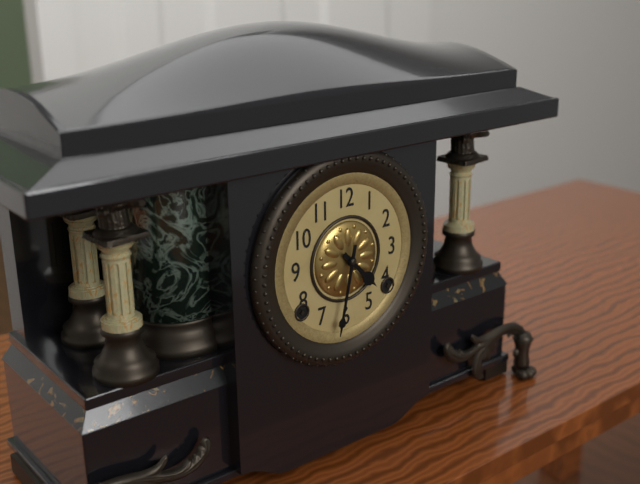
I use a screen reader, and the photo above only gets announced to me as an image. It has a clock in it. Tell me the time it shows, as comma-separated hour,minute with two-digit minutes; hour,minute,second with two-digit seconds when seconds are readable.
4,32
